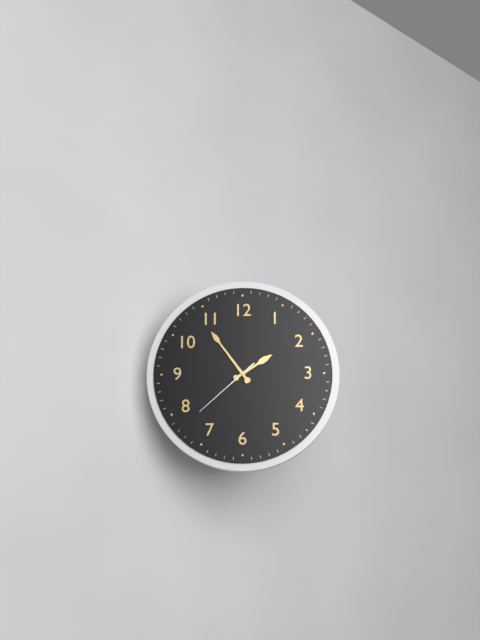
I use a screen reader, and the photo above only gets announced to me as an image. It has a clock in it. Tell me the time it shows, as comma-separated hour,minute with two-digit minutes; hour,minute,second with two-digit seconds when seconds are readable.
1,54,38
